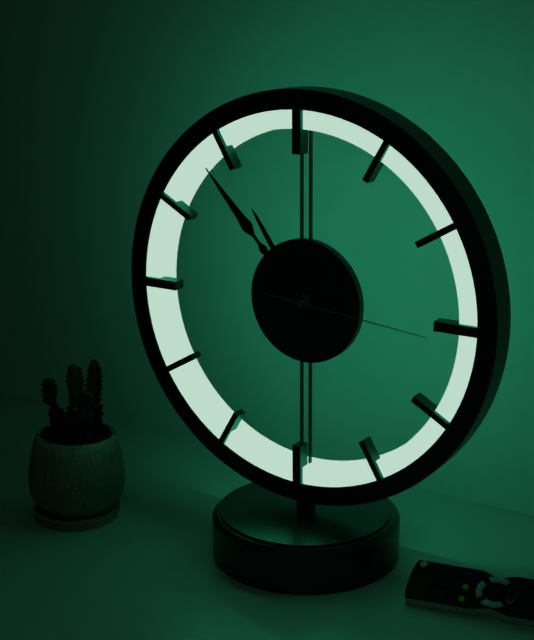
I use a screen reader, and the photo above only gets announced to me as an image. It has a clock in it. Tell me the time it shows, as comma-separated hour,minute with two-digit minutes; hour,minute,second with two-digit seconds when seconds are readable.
10,53,16
